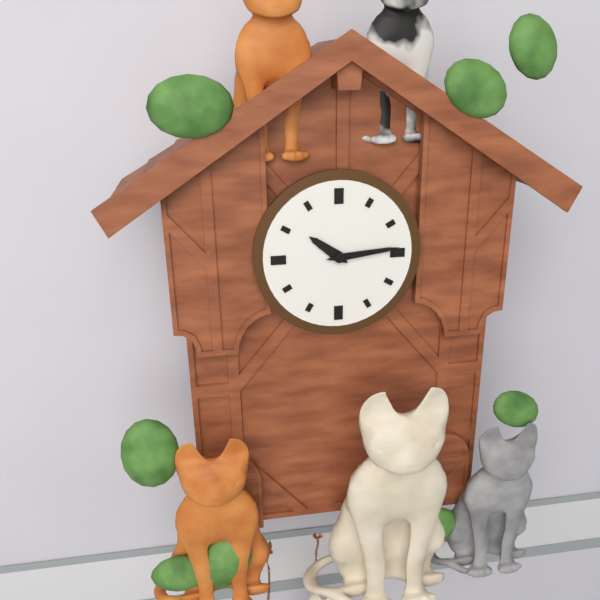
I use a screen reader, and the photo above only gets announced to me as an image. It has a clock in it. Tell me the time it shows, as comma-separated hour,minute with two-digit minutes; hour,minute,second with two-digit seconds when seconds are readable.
10,14
